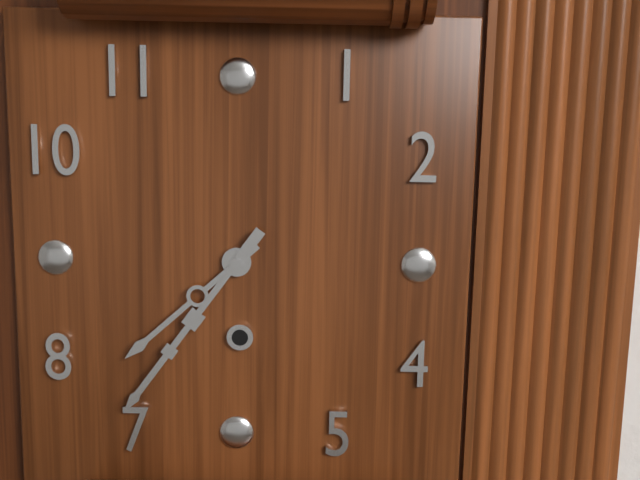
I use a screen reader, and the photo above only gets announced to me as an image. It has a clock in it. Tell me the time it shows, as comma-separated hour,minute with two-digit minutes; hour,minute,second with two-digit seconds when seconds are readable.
7,36
